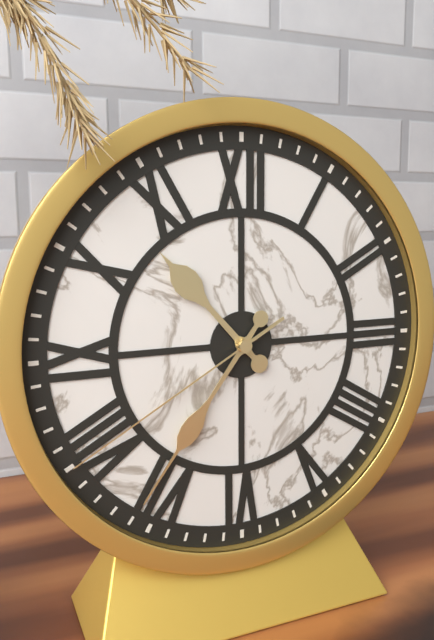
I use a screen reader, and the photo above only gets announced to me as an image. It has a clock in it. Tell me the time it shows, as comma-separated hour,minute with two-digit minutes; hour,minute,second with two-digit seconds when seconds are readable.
10,36,40
